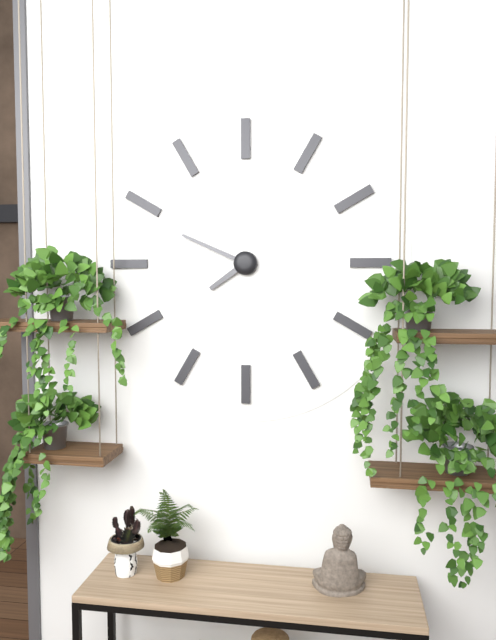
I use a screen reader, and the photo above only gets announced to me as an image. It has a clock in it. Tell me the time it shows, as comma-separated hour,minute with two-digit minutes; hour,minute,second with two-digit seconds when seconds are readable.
7,49
